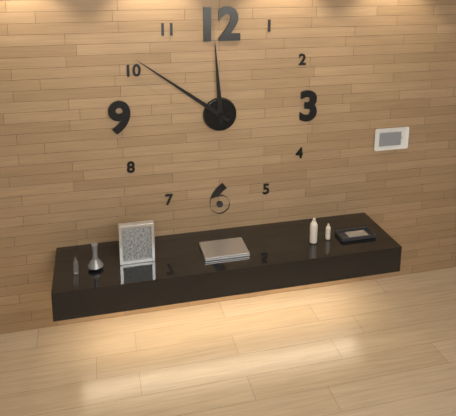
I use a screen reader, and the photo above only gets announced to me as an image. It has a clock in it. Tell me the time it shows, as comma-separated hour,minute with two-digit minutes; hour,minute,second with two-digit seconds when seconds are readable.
11,51
